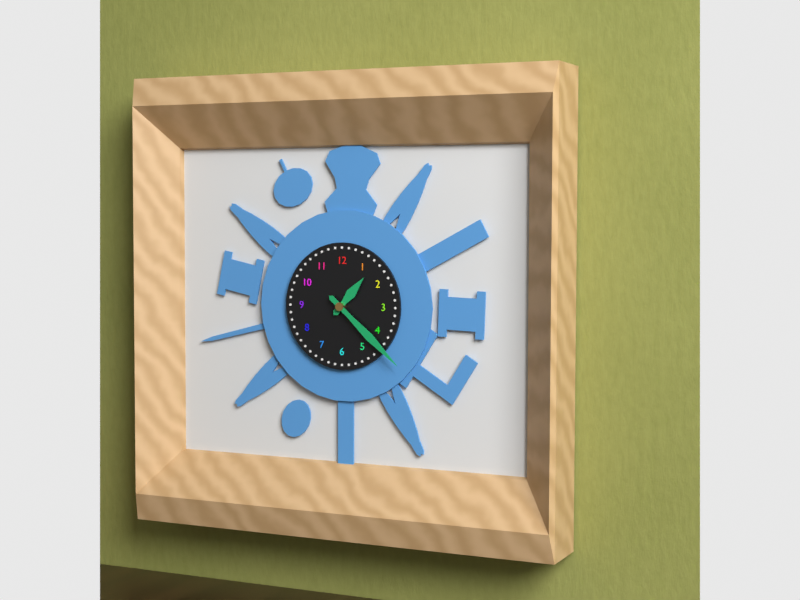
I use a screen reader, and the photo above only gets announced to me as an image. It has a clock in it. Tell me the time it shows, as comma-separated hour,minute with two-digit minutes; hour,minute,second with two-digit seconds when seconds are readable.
1,22
